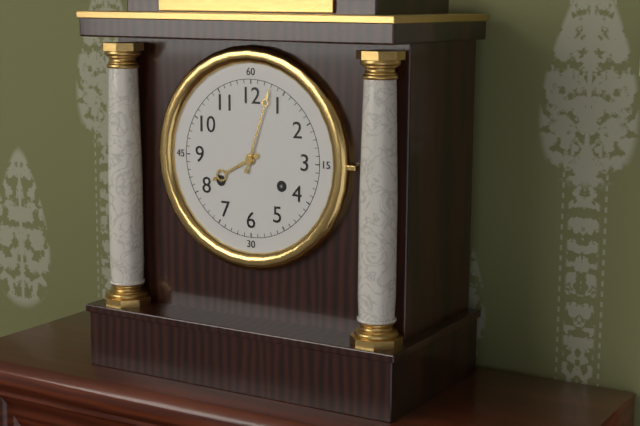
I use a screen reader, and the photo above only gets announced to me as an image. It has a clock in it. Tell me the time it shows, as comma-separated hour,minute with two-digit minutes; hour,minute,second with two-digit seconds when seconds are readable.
8,03
